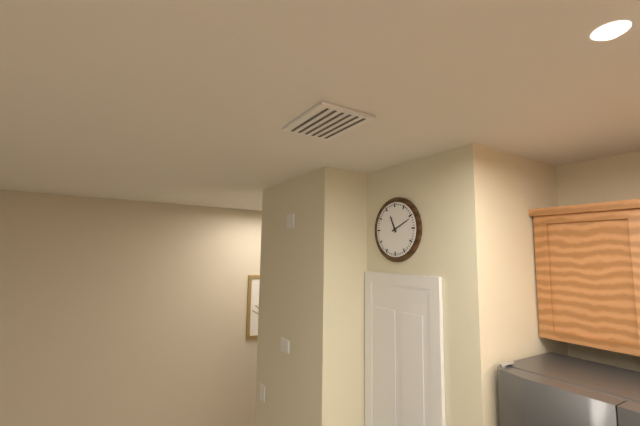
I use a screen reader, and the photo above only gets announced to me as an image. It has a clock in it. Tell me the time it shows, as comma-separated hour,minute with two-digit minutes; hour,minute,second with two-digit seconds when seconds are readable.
11,11
